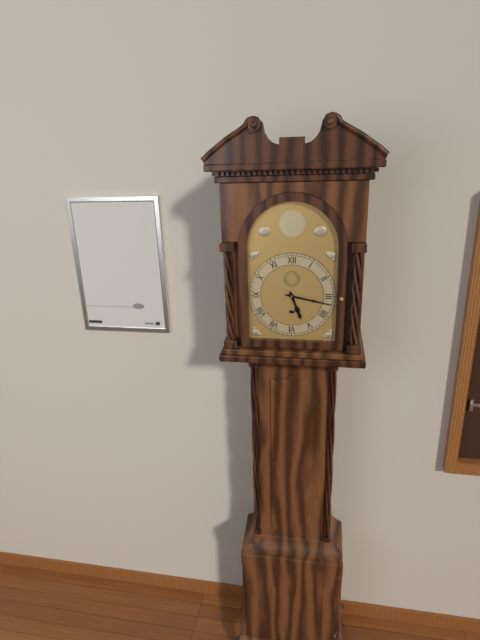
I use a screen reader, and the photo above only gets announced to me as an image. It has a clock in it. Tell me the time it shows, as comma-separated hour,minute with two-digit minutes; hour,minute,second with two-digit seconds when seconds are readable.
5,17
